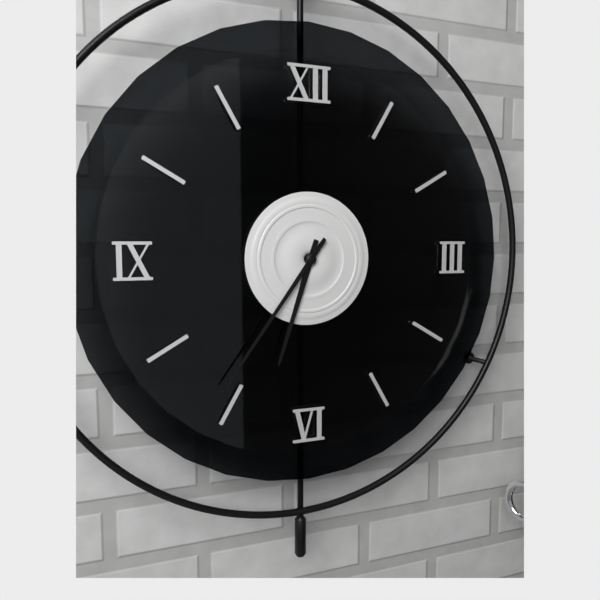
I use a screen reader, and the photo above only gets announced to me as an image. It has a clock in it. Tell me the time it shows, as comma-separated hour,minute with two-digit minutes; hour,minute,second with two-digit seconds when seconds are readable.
6,36
